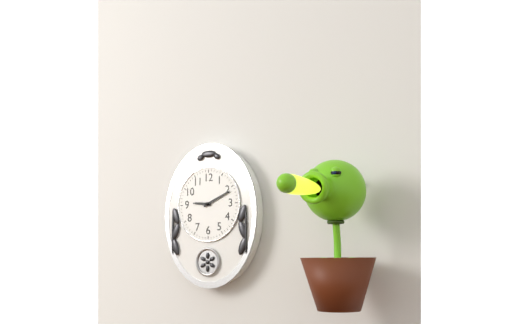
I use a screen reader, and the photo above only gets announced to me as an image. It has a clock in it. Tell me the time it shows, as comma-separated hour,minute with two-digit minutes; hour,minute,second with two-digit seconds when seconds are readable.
9,11
